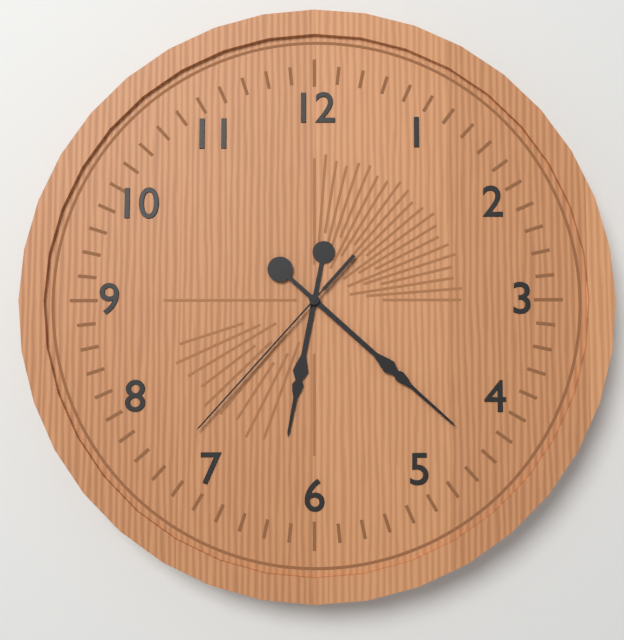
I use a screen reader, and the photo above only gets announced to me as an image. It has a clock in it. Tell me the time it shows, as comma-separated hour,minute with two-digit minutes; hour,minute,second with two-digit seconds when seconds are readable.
6,22,37
